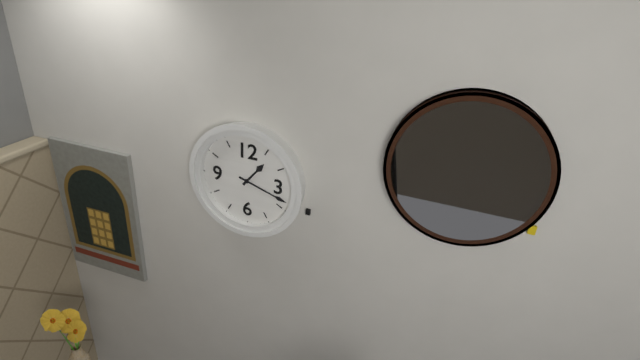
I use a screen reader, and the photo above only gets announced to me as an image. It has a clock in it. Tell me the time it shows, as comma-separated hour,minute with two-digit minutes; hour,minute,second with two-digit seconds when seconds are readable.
1,18
